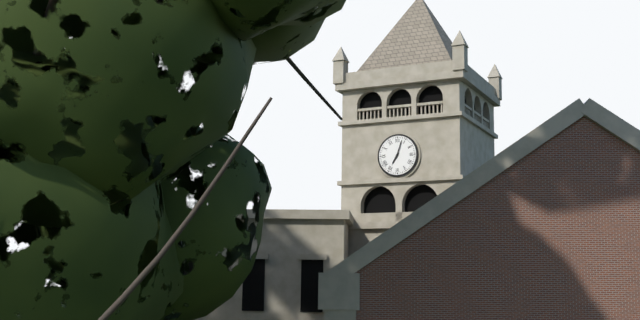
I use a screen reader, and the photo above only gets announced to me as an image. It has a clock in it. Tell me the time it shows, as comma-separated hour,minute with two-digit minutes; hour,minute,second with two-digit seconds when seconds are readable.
7,03
